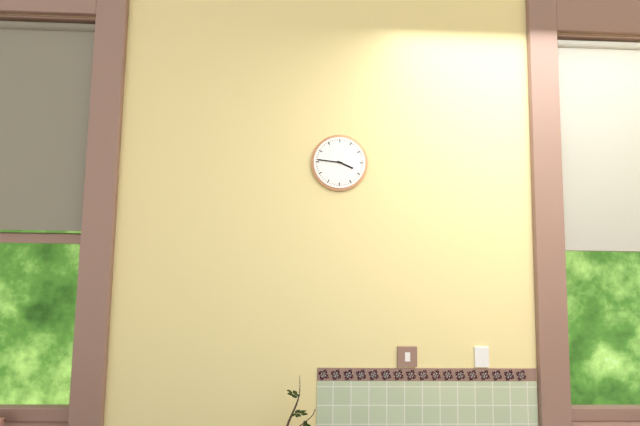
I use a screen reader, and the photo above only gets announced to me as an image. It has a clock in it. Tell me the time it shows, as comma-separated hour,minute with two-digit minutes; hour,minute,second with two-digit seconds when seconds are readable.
3,46
